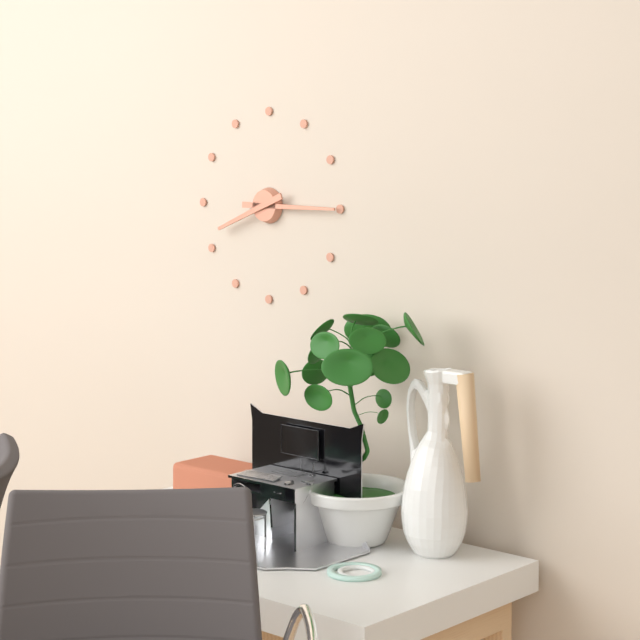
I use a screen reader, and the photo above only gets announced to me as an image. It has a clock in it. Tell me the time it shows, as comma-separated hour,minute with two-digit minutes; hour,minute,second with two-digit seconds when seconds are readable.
8,15
